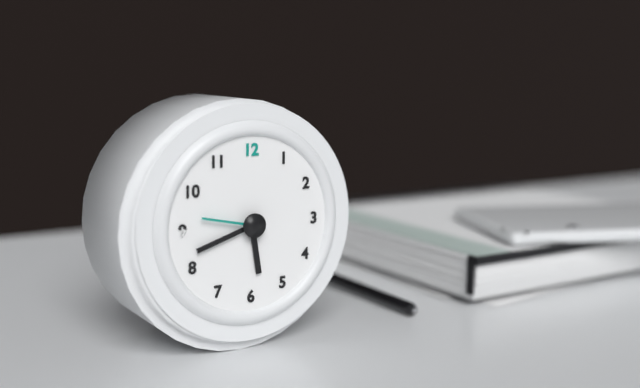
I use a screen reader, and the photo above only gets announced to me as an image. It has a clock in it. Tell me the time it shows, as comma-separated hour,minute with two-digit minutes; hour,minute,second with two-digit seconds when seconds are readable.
5,42,47
